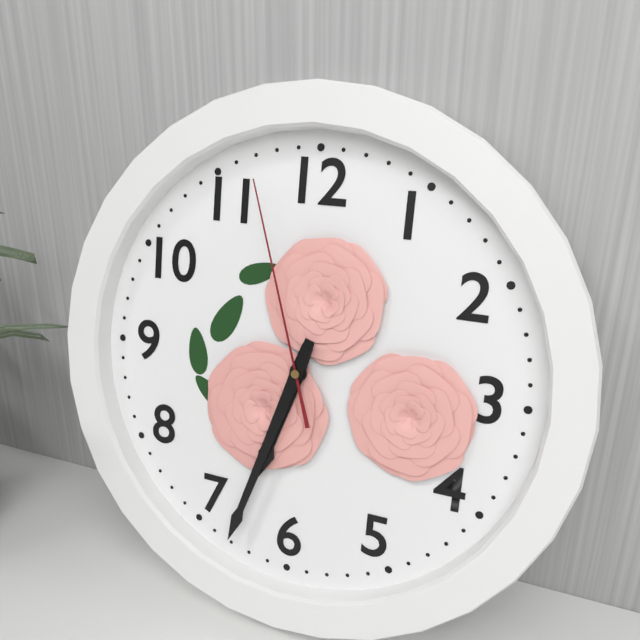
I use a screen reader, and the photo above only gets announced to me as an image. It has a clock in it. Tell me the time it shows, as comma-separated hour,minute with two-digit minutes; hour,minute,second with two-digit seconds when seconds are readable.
6,33,57
